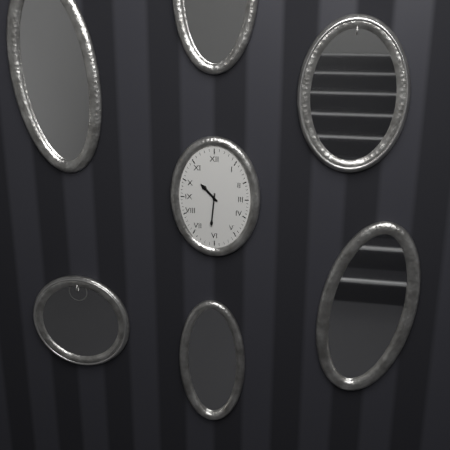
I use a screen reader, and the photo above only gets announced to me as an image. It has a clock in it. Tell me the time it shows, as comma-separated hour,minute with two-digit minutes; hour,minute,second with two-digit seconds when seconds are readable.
10,31
